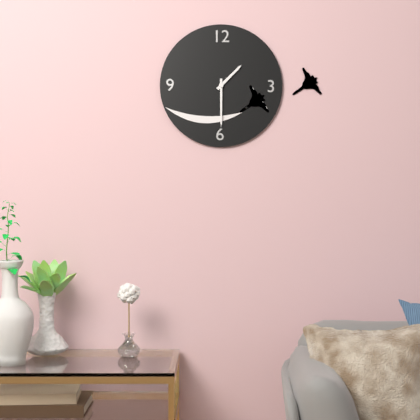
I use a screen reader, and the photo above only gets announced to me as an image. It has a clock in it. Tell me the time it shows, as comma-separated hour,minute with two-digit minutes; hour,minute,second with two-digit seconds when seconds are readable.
1,30
